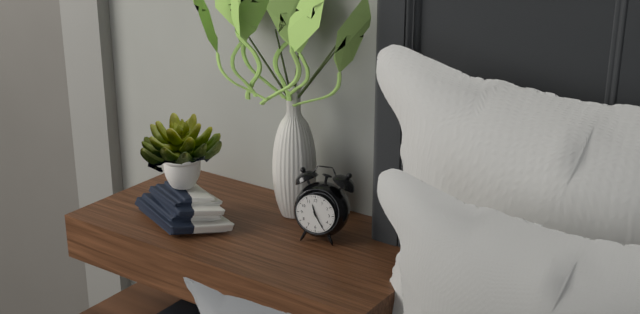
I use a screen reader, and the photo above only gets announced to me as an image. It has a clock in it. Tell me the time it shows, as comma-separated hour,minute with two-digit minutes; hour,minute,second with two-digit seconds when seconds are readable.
11,25
